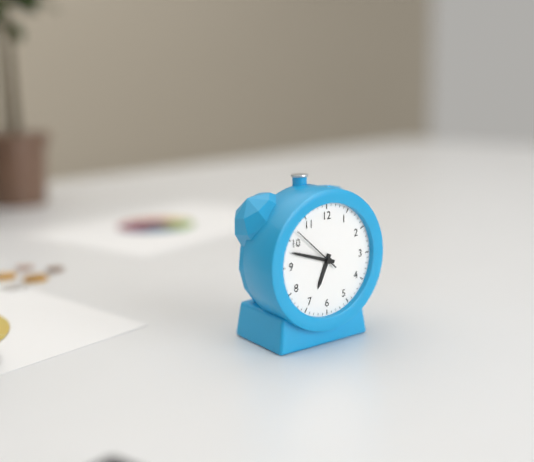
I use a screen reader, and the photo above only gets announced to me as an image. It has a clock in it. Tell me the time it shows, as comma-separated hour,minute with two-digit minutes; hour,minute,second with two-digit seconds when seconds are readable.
6,48,52
